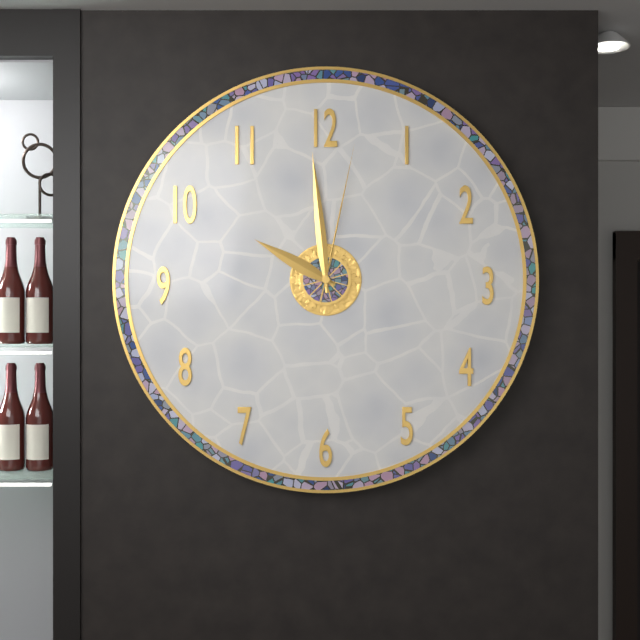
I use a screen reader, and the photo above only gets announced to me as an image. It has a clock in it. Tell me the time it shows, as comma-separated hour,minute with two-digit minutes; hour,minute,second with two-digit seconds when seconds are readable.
9,59,02
